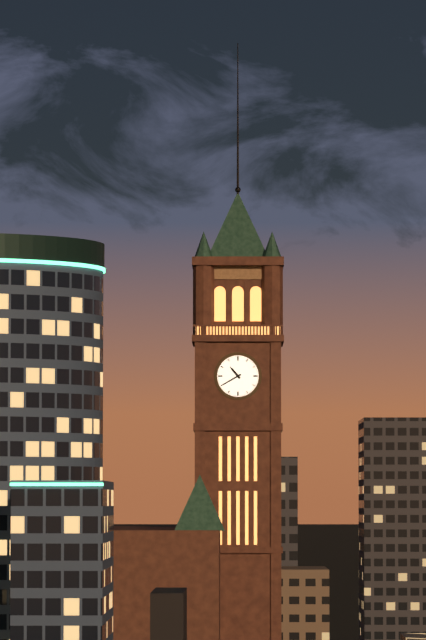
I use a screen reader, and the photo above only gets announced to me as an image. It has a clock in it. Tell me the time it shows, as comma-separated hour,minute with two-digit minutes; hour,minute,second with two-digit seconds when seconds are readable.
10,40
